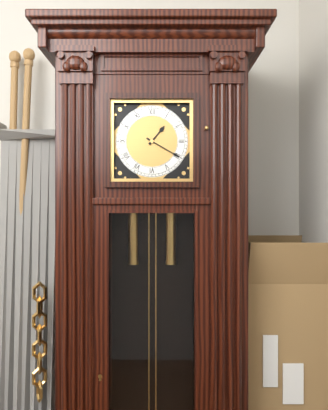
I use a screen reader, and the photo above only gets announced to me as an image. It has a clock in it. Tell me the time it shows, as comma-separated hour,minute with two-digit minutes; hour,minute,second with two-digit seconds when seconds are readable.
1,20
